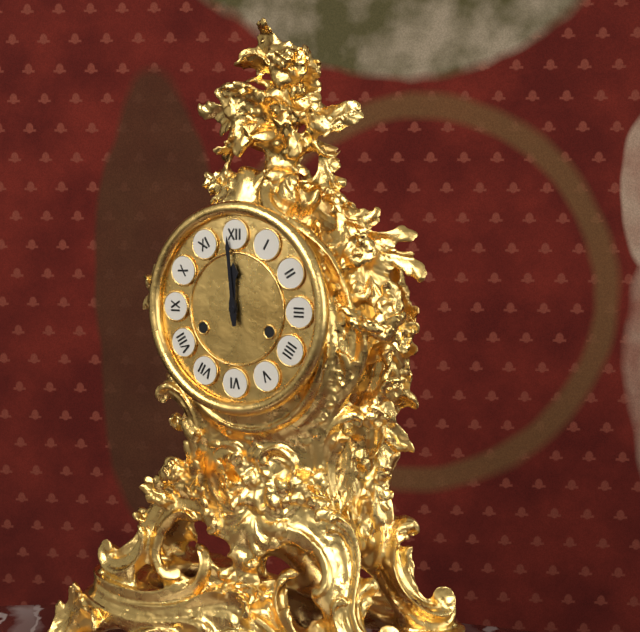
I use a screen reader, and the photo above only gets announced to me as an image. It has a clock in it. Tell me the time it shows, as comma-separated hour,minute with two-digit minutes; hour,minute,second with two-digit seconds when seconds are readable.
11,59
